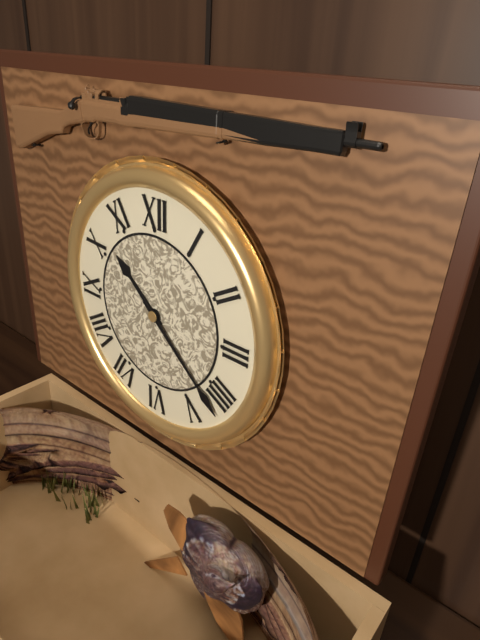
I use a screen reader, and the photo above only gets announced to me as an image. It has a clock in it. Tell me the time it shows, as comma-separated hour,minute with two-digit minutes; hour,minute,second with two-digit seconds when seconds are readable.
10,22
